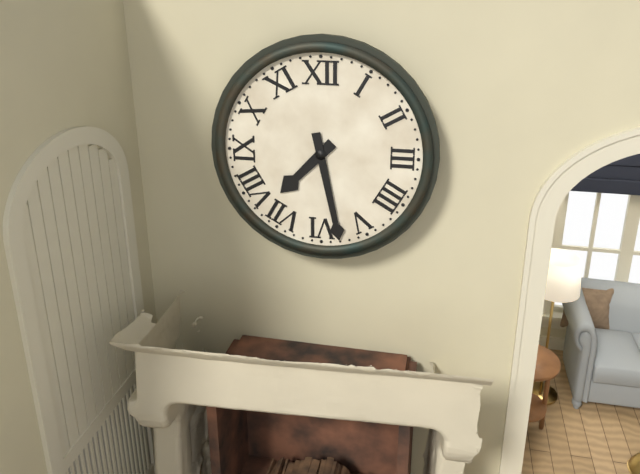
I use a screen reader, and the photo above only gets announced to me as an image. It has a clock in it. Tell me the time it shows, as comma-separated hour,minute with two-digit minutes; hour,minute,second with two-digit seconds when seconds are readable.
7,28
